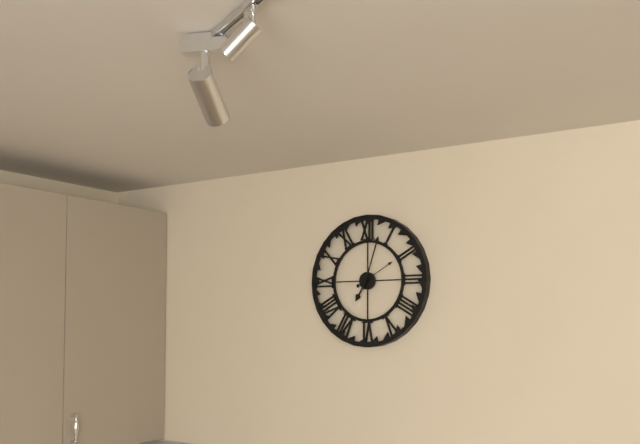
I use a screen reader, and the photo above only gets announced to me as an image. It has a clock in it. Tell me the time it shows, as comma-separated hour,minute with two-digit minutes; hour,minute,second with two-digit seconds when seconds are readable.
7,03
